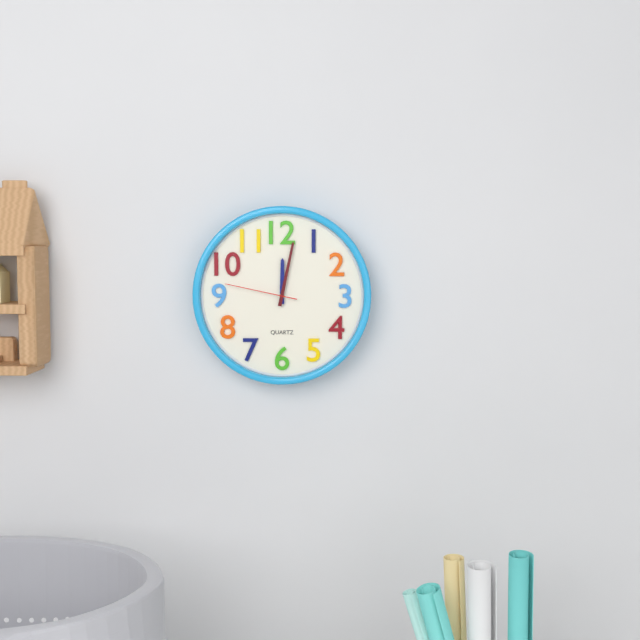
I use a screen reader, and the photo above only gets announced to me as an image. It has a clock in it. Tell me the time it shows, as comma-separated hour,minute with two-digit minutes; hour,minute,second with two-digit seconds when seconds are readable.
12,02,47
